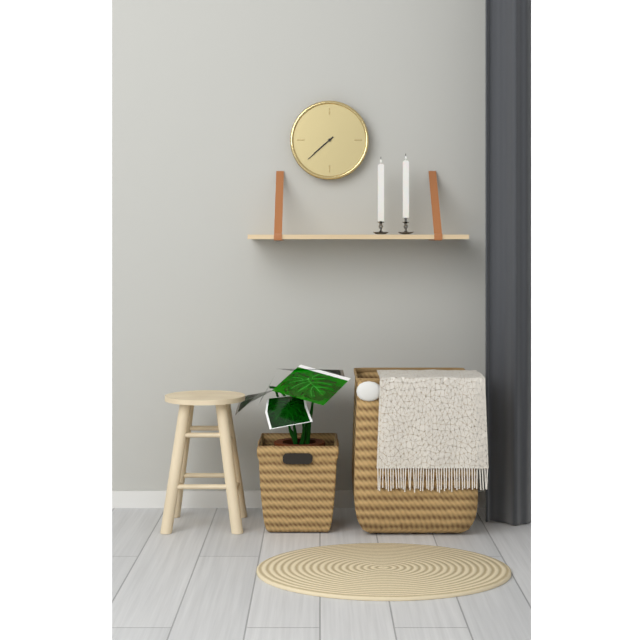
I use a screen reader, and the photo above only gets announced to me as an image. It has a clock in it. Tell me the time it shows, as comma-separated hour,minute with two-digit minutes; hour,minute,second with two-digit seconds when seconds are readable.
7,38
